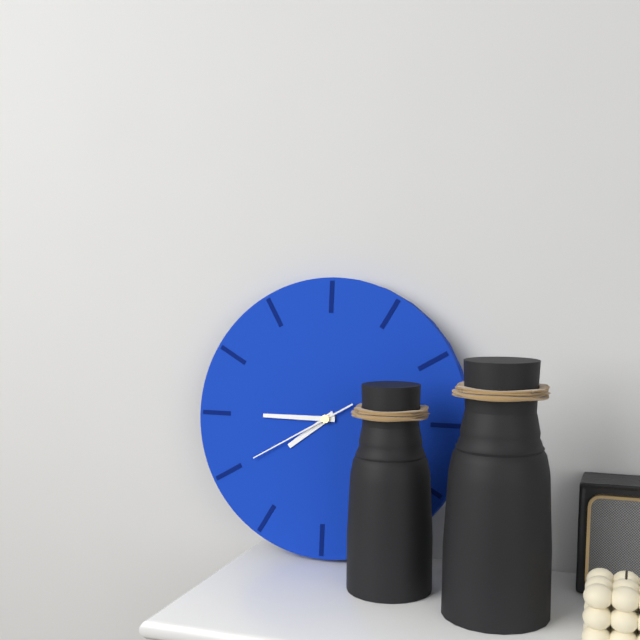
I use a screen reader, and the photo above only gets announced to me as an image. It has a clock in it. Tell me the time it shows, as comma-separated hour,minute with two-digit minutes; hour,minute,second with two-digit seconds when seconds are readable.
7,45,40
